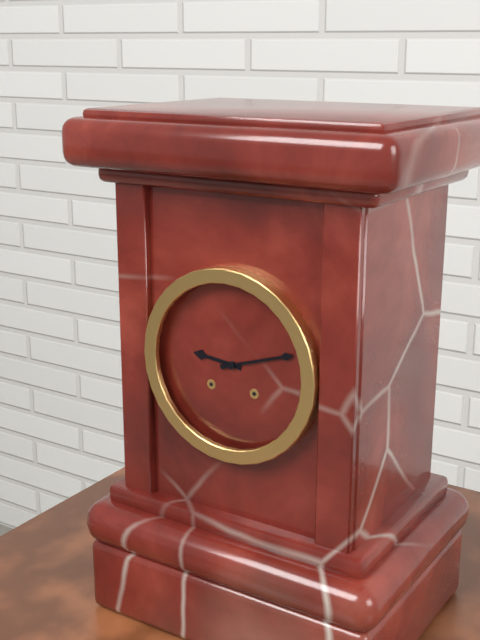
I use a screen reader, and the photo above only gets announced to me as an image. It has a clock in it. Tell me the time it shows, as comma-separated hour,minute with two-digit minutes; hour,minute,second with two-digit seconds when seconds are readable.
9,12
